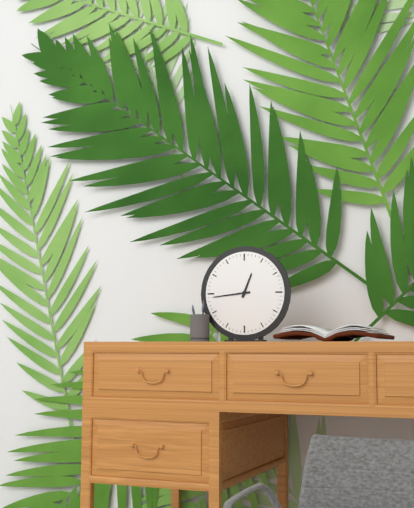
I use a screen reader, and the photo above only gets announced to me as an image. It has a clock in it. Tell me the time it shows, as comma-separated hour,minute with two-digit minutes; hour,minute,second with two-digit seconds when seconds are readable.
12,44
